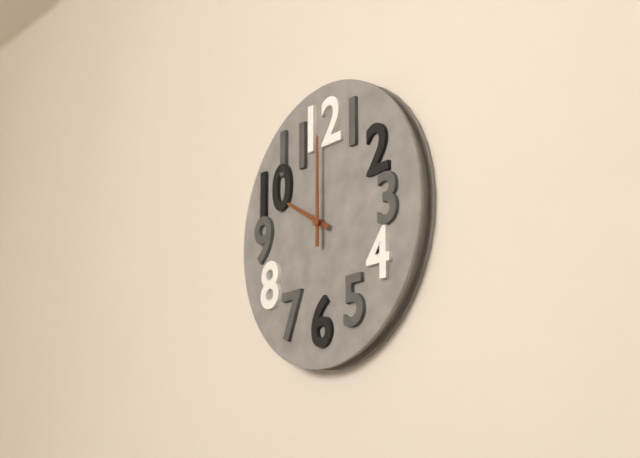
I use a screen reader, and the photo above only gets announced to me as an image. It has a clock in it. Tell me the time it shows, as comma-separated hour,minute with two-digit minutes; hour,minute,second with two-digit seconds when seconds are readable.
10,00
